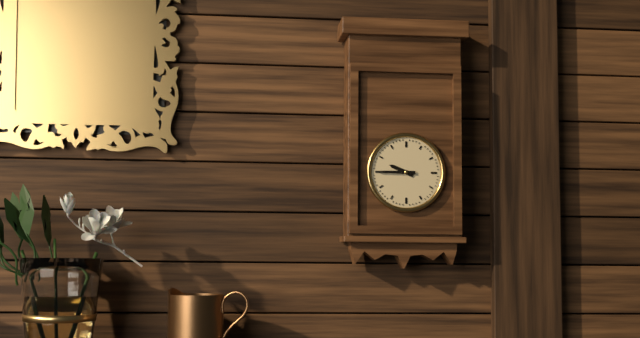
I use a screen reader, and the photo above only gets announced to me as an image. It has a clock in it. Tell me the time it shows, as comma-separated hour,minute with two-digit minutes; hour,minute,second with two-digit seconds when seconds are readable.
9,45
